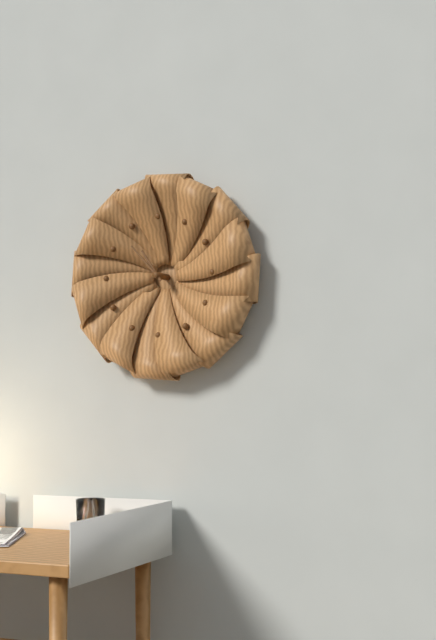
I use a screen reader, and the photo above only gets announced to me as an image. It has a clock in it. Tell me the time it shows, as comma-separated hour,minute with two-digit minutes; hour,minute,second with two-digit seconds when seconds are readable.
10,53
